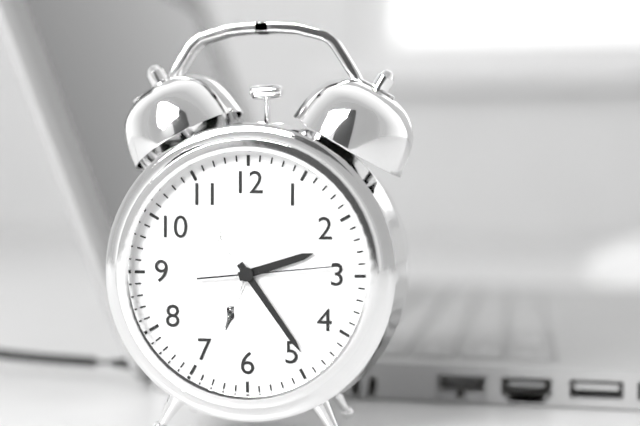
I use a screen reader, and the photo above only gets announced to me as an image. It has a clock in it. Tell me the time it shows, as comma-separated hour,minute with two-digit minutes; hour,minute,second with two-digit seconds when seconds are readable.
2,24,14
